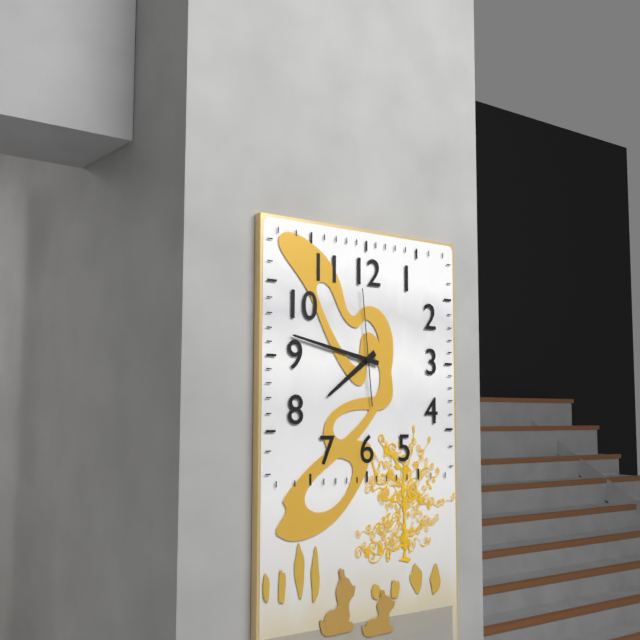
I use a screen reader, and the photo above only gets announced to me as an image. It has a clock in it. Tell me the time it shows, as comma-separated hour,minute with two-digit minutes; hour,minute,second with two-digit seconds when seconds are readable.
7,47,59
